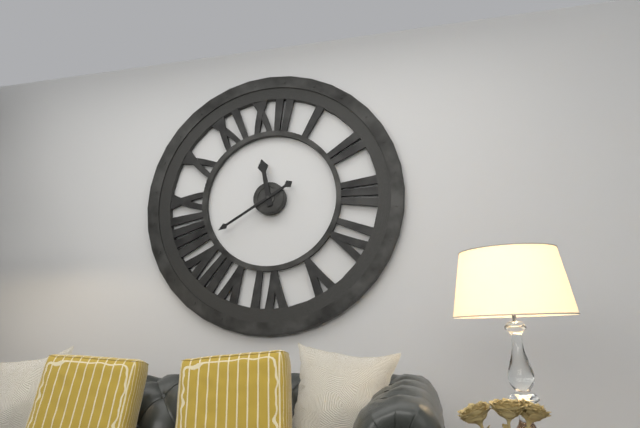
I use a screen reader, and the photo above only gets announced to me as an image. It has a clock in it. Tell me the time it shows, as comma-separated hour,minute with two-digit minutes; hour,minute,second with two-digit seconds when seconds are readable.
11,40
